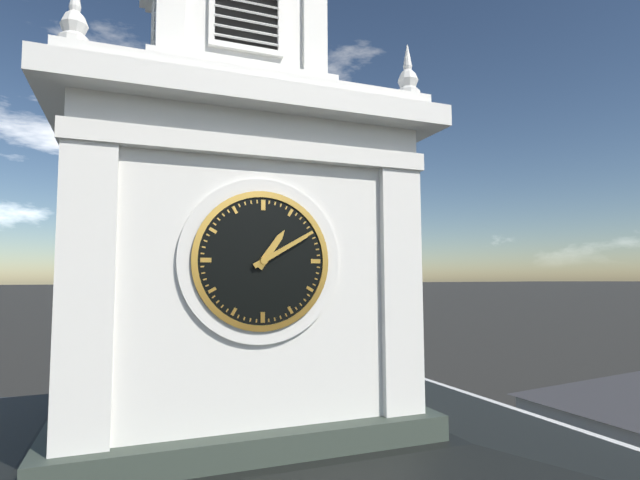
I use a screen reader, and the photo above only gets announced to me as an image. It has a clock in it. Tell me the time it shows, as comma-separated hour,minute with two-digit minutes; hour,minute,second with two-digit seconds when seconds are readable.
1,10
